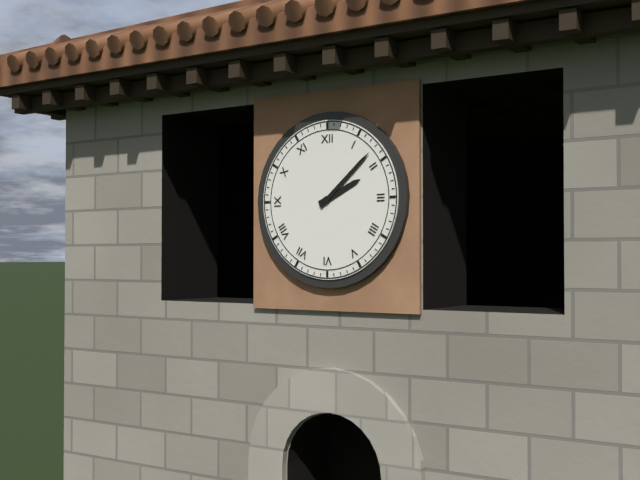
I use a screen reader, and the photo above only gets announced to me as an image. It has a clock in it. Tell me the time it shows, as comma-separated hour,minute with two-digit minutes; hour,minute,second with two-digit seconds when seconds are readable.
2,08
